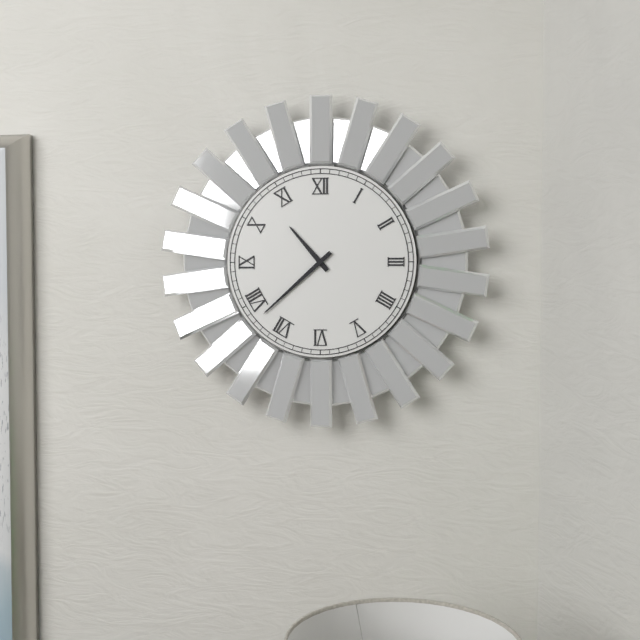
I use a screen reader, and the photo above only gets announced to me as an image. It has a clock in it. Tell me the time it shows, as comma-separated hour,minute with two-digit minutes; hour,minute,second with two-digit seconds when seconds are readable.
10,38
